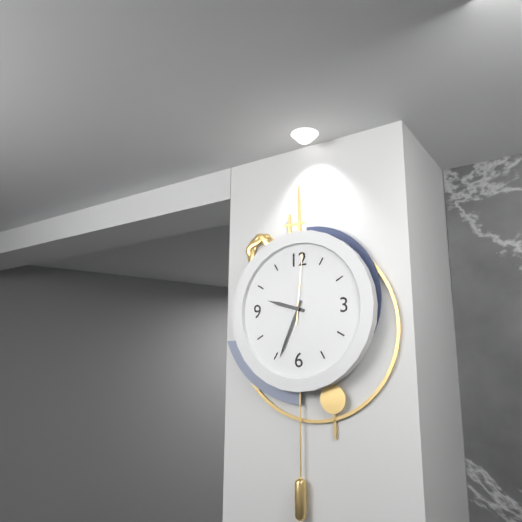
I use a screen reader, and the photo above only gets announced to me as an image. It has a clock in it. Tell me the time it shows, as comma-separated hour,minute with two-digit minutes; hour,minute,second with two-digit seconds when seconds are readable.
9,34,01
